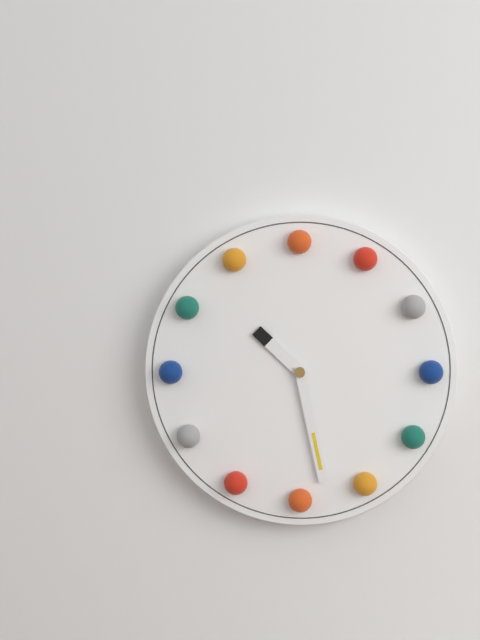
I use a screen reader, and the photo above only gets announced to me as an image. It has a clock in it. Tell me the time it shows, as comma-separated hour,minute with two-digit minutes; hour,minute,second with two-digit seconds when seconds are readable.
10,28
